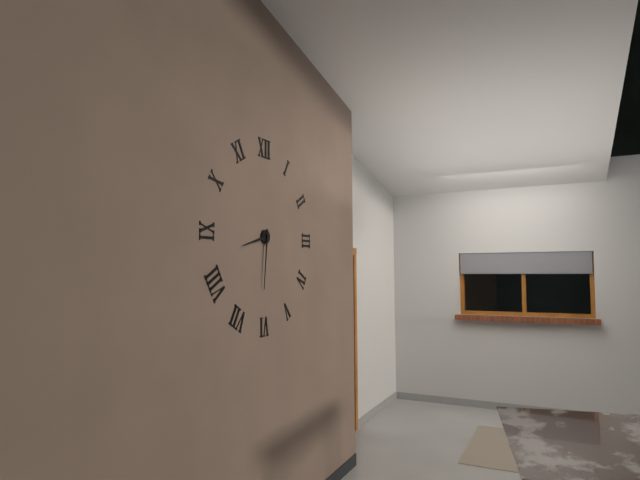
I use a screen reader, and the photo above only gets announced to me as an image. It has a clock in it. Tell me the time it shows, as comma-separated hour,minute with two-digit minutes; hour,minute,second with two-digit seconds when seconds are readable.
8,31
